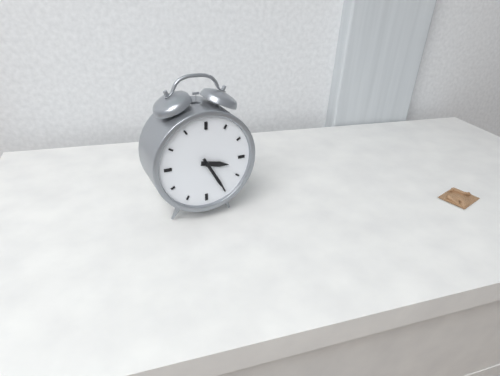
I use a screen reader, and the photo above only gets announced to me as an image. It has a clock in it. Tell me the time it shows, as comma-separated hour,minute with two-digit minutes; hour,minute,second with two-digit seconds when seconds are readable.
3,25
